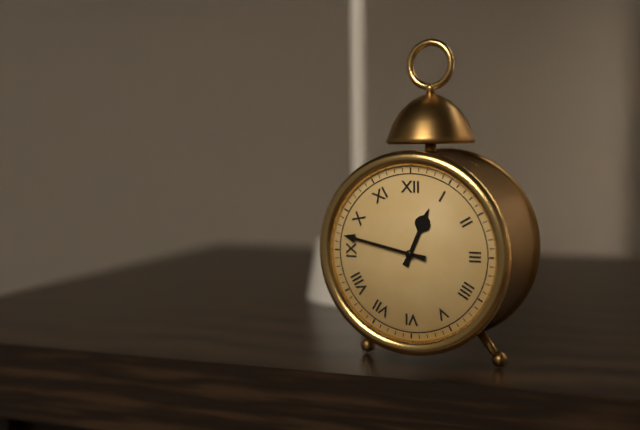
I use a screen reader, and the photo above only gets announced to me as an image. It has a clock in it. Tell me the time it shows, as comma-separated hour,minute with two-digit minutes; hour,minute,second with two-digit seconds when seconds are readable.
12,47
